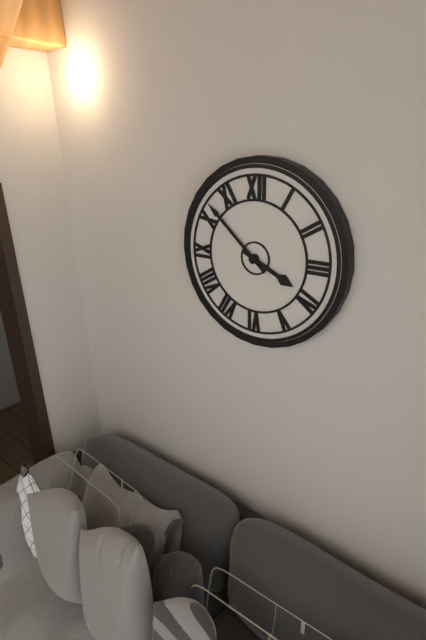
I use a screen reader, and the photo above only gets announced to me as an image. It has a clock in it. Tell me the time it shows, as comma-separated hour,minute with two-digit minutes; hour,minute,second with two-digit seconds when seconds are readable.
3,52
